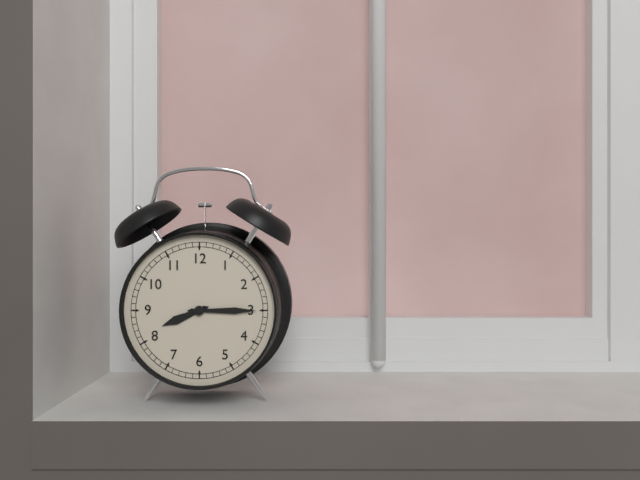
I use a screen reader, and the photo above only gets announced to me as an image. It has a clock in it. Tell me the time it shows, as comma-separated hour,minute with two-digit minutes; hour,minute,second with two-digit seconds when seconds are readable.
8,15
